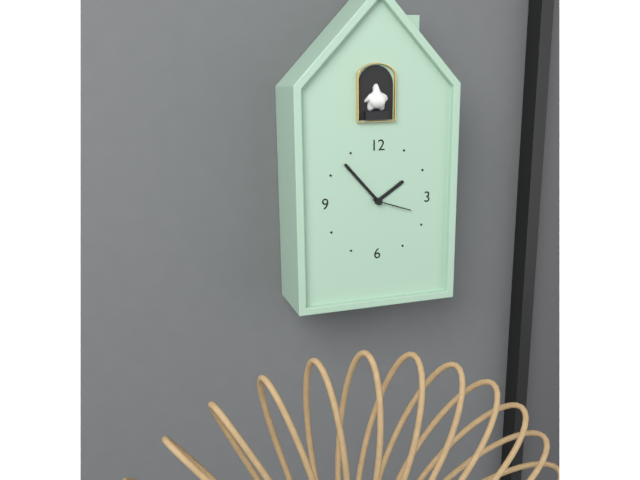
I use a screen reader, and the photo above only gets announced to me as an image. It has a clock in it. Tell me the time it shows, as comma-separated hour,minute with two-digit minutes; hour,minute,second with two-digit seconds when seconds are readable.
1,53
